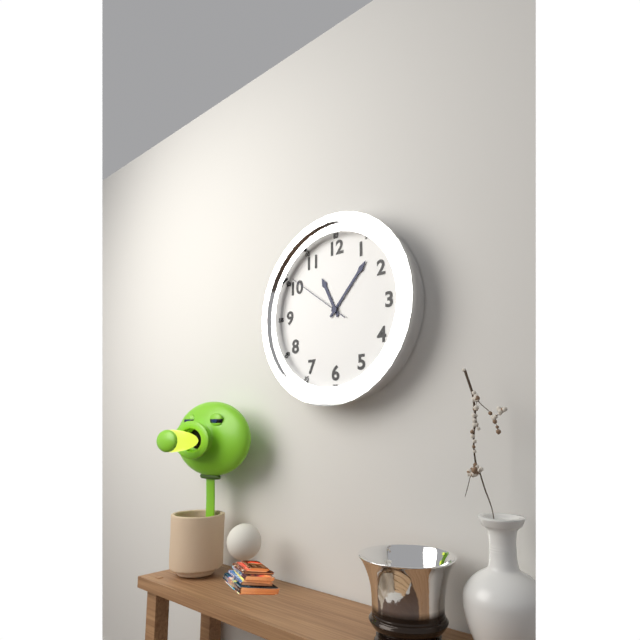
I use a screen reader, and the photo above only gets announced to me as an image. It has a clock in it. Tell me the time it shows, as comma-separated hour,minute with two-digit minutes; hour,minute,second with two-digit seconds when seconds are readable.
11,07,51
